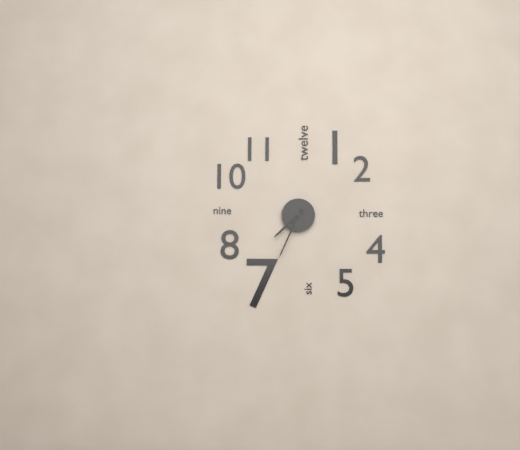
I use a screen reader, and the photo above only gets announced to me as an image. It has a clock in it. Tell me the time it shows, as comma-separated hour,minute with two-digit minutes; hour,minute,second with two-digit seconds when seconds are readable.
7,34
